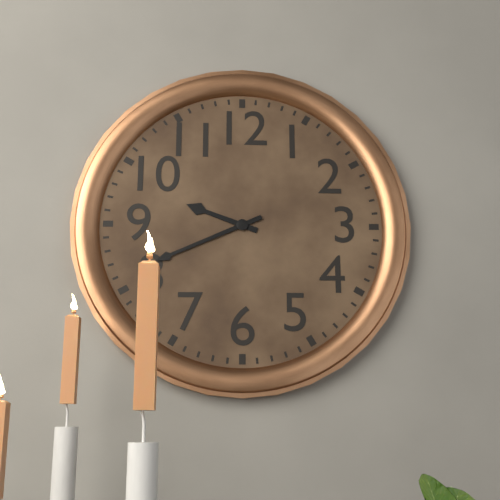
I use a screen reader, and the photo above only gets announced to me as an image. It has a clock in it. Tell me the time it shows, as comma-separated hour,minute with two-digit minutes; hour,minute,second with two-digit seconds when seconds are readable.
9,41
